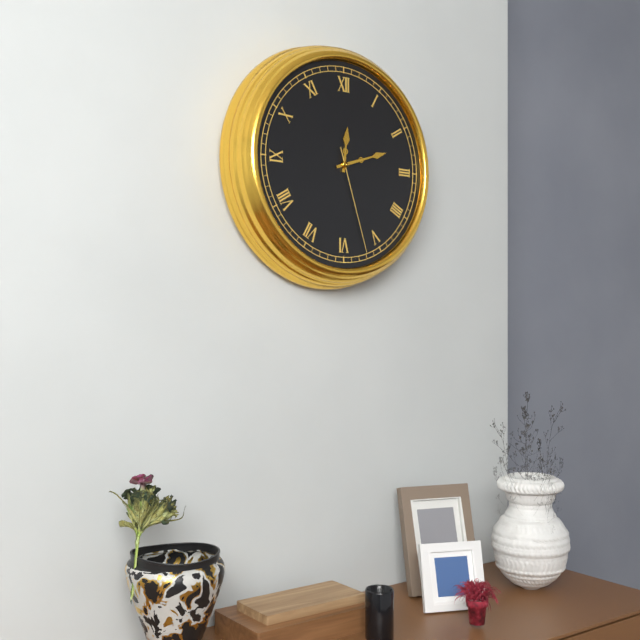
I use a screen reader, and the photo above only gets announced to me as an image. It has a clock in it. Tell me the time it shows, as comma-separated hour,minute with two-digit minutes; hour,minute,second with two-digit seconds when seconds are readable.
12,12,27
